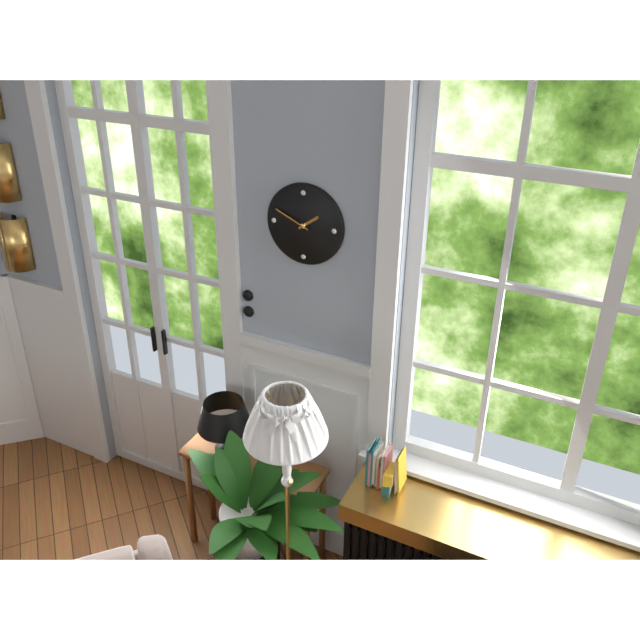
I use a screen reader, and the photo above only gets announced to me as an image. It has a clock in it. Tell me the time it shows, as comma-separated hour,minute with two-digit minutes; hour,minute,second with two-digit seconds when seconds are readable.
1,49
